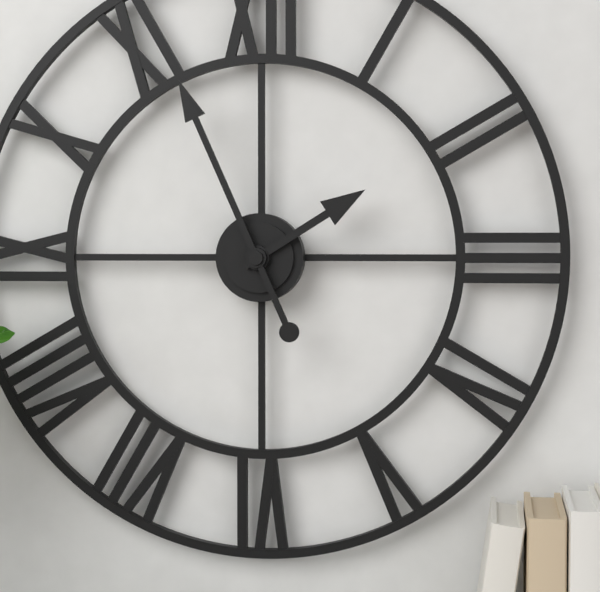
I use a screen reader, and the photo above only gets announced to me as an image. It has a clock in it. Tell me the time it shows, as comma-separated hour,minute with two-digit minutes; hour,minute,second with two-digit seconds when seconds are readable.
1,56
